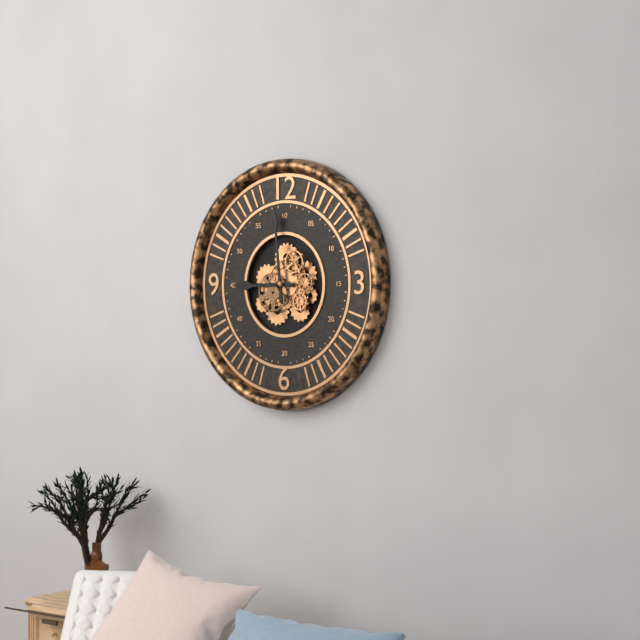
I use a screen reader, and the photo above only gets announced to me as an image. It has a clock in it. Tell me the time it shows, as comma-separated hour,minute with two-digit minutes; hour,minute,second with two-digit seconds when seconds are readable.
8,59
